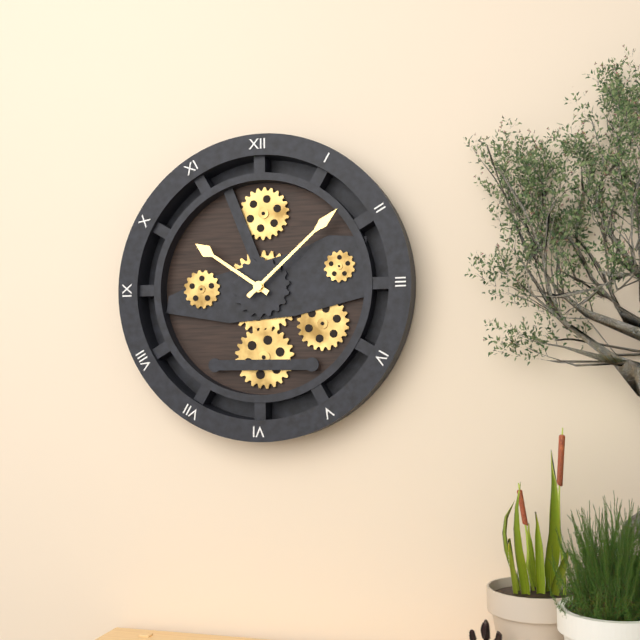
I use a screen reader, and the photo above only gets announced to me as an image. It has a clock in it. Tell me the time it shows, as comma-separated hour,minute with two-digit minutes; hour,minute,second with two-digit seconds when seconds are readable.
10,08
